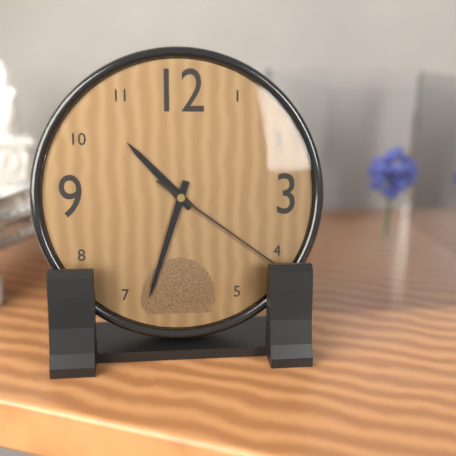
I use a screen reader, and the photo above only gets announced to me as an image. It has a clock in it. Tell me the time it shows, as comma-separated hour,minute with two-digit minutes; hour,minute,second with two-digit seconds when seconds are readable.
10,33,21
